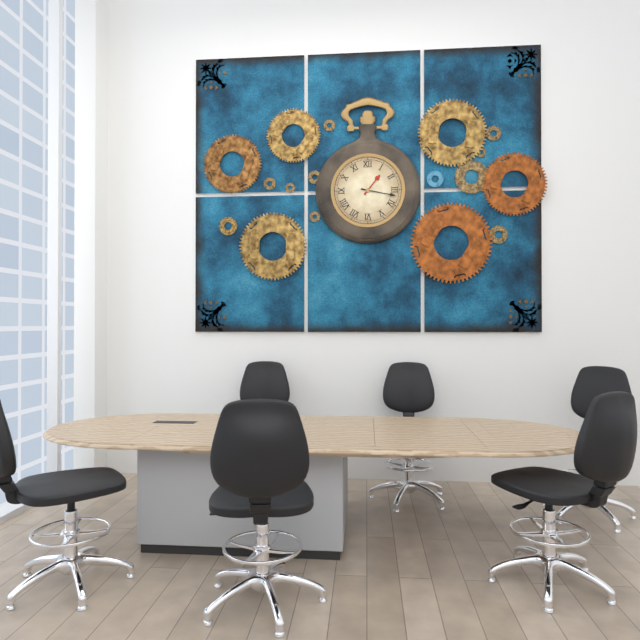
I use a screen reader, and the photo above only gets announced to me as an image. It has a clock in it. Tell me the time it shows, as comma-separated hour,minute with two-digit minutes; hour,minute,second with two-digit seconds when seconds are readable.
1,17
